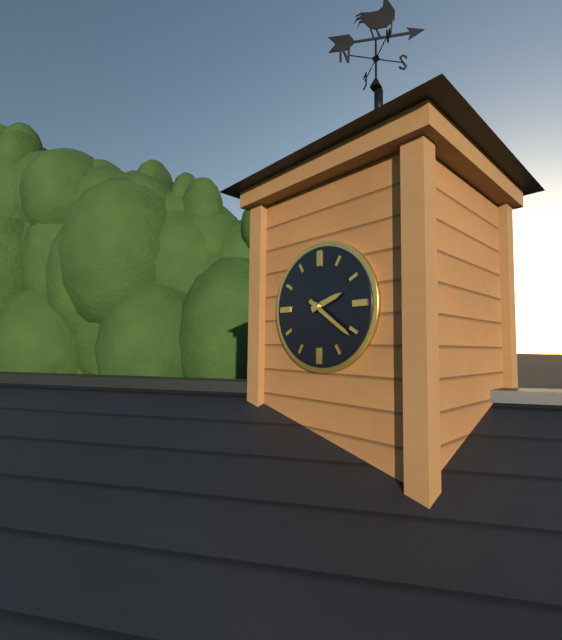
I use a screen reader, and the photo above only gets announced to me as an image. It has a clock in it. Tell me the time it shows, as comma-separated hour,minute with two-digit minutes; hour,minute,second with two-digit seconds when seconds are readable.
2,21
